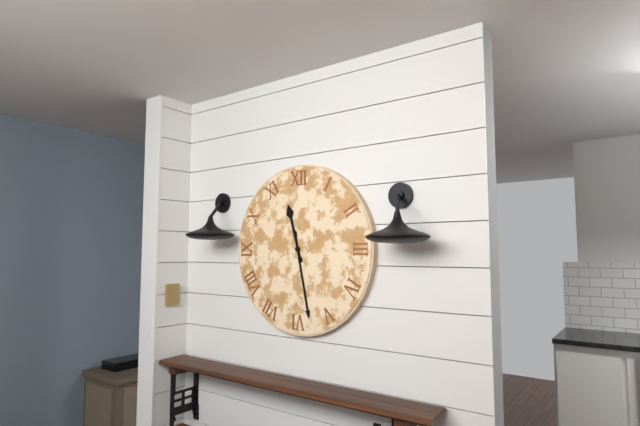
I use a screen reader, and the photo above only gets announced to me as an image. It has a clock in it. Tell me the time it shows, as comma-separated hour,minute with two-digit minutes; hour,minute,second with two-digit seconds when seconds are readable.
11,28
